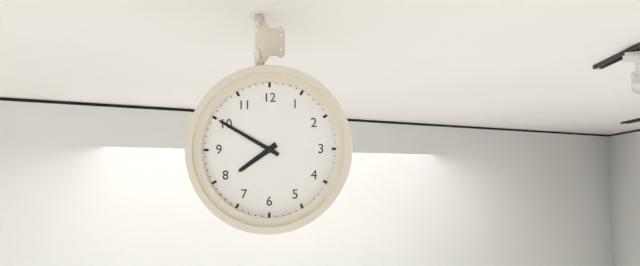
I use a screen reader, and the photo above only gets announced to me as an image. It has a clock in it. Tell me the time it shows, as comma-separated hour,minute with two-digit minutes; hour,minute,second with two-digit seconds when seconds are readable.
7,50
